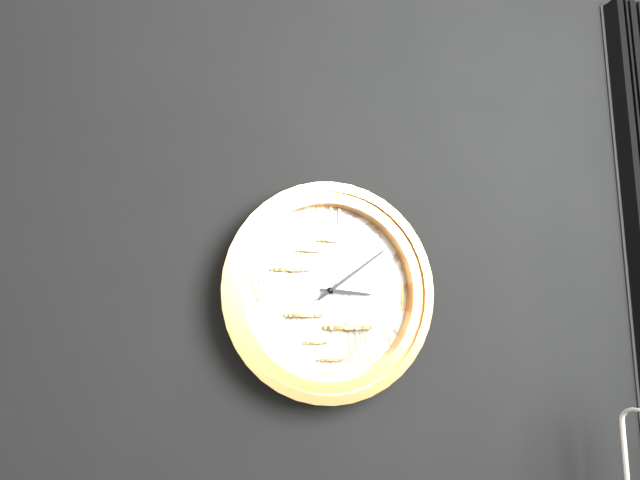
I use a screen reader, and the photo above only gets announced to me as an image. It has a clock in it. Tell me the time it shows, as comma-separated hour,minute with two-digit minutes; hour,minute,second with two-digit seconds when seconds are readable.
3,09
